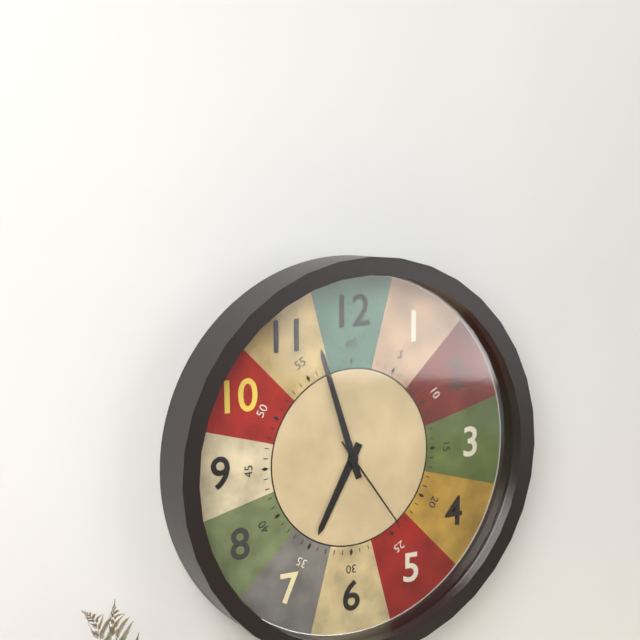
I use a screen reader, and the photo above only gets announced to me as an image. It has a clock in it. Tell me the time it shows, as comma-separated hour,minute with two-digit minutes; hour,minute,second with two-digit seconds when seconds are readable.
6,57,24
